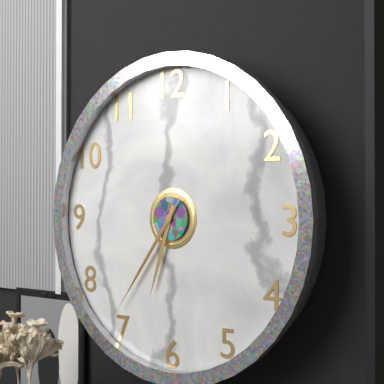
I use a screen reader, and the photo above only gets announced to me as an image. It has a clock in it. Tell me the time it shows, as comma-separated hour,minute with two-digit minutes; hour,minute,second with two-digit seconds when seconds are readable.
6,36,36
